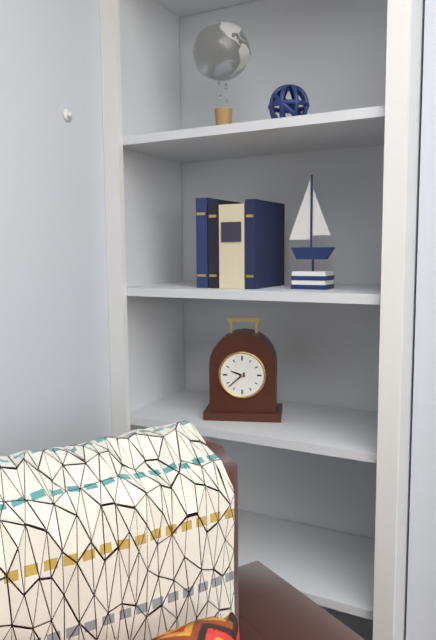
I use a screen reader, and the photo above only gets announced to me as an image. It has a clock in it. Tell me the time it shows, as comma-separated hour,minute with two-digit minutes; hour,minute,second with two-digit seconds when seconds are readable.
9,38
